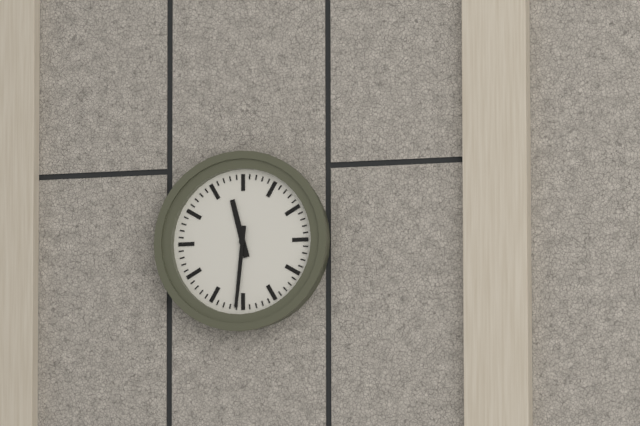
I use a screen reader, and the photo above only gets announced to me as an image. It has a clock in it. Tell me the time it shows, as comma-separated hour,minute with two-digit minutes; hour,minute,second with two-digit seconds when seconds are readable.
11,31
